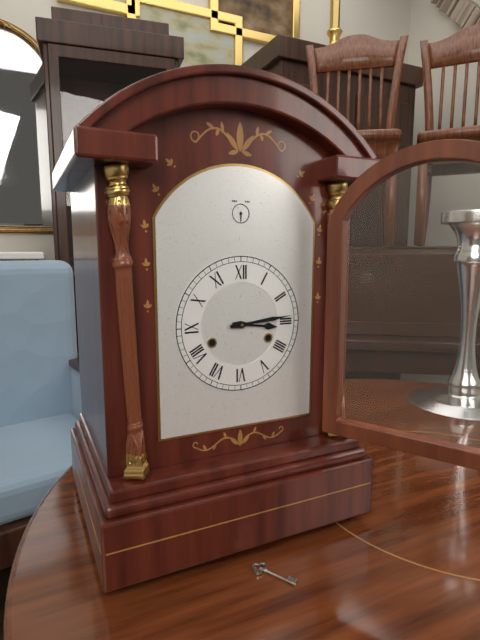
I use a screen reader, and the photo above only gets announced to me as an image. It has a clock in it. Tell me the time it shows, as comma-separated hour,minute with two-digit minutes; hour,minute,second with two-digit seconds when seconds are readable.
3,14
